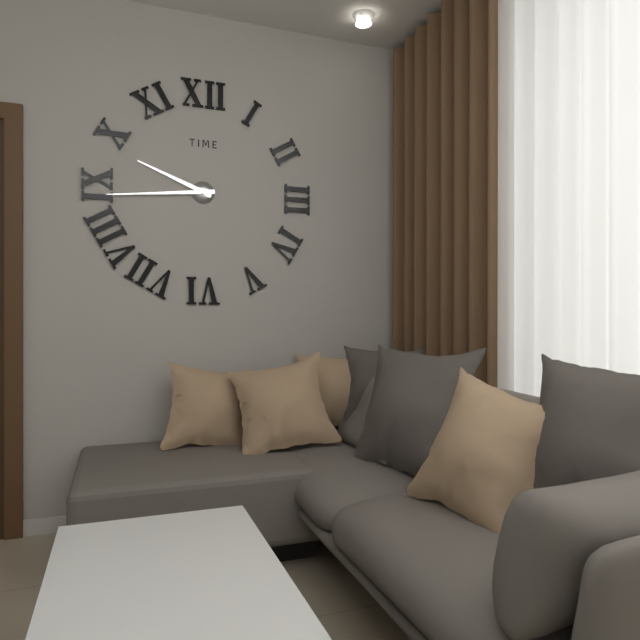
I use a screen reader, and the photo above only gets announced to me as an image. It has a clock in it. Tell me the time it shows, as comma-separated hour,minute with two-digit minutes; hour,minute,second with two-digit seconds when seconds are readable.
9,44
